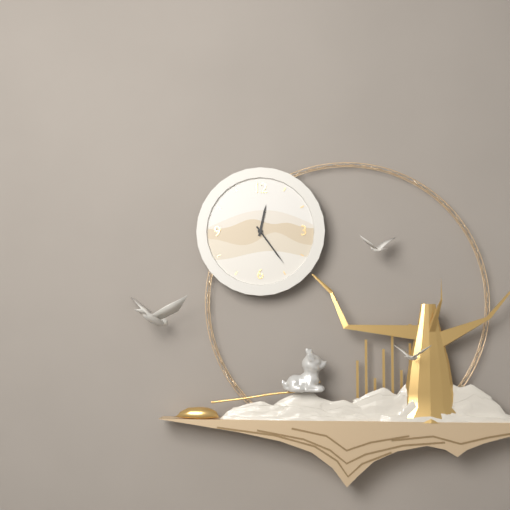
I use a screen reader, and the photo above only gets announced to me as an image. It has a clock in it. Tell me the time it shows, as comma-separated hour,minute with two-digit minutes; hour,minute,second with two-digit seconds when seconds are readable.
12,24
